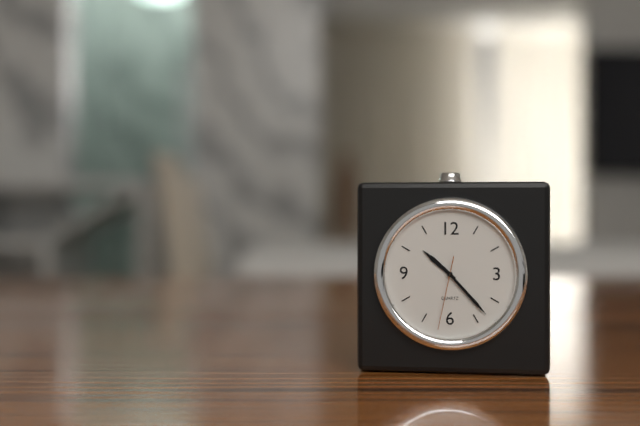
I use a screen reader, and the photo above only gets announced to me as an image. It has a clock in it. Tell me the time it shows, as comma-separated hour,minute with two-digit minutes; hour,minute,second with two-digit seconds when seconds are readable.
10,23,32
